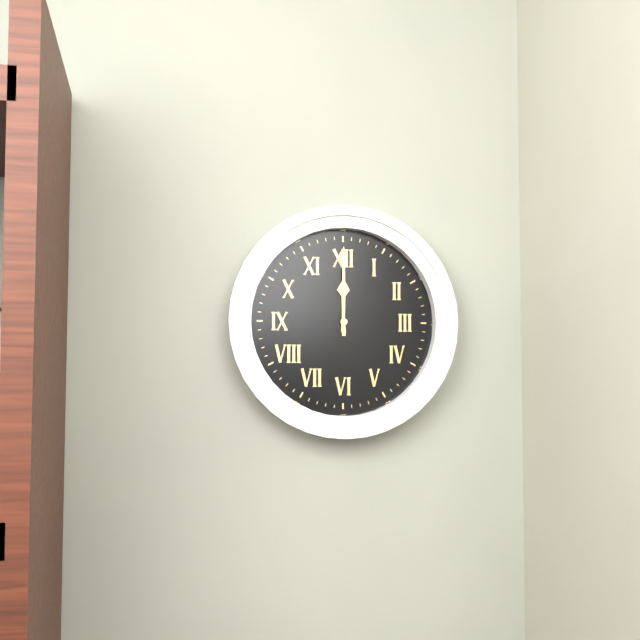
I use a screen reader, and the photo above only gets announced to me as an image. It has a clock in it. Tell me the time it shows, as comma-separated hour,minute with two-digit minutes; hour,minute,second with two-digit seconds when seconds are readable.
12,00
